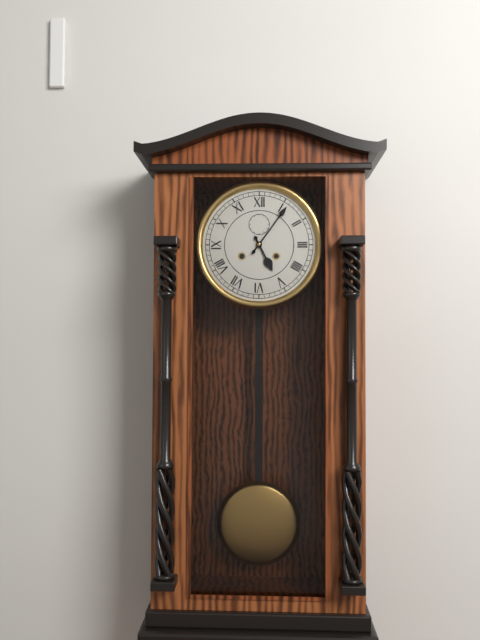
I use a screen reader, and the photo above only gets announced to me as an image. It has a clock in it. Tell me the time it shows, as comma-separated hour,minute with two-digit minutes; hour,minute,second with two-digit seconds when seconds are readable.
5,06
